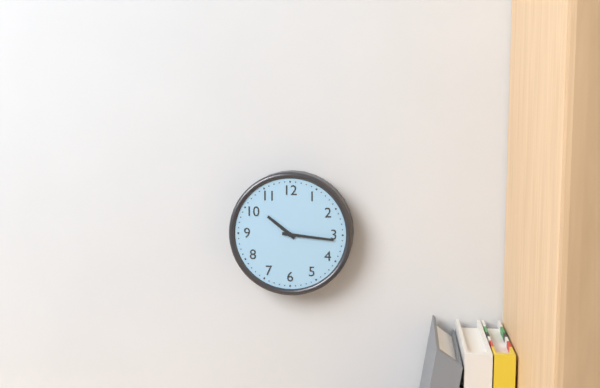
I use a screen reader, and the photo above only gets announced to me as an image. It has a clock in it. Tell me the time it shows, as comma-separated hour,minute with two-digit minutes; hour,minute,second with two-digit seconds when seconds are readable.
10,16
